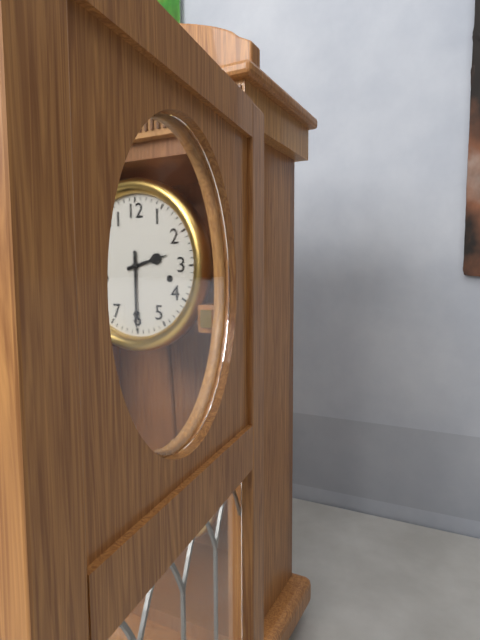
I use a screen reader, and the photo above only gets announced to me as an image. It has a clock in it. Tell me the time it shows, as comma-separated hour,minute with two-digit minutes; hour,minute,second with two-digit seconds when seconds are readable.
2,30
